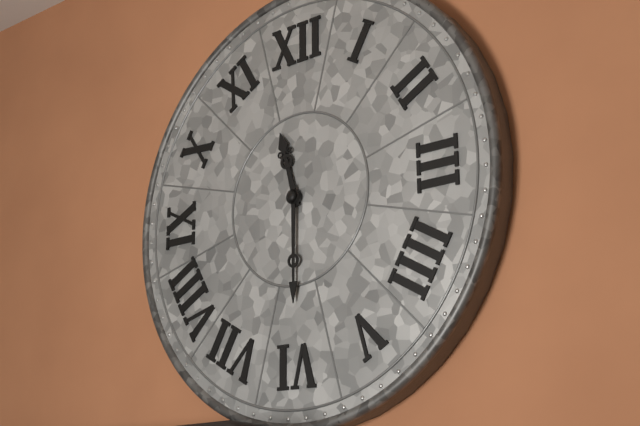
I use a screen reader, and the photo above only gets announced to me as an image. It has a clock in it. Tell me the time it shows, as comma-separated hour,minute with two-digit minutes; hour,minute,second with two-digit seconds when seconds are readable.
11,30
